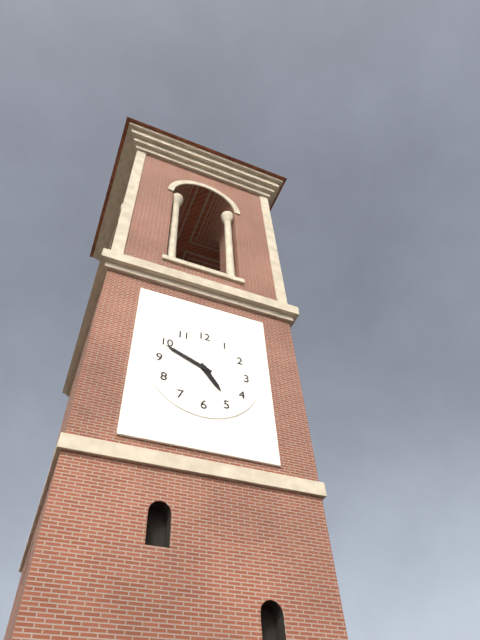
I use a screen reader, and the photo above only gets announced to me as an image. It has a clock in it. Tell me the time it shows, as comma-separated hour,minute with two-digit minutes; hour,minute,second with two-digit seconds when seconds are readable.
4,49
